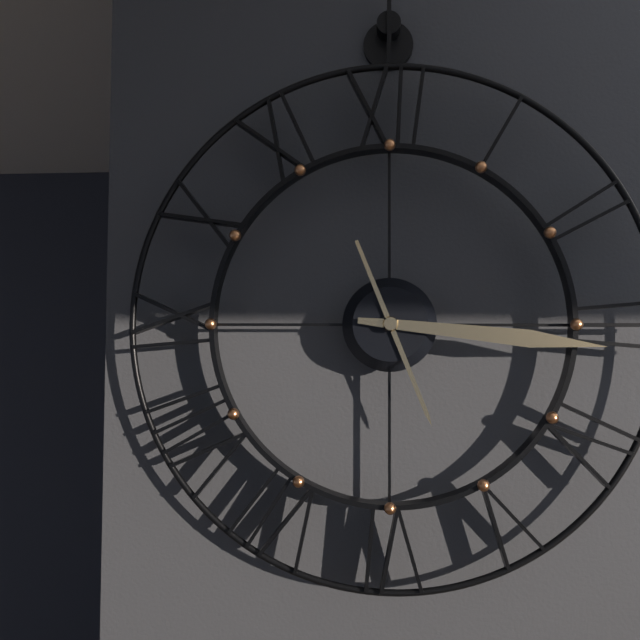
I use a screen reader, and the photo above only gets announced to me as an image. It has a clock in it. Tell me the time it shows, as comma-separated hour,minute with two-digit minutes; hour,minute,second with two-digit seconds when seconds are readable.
5,16
